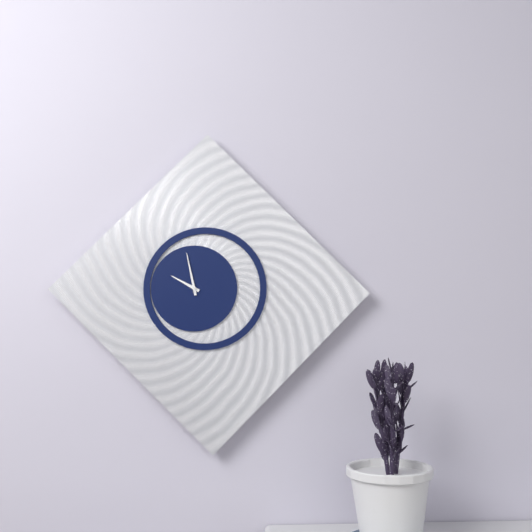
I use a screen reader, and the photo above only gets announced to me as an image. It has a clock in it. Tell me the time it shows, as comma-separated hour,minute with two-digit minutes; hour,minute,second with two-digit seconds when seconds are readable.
9,58
